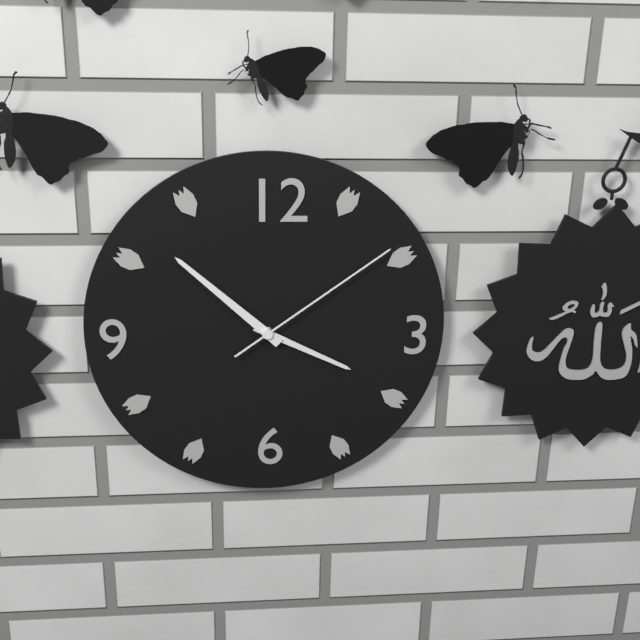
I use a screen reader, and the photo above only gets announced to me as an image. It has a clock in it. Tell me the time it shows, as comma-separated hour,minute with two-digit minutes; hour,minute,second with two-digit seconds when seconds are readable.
3,52,09
